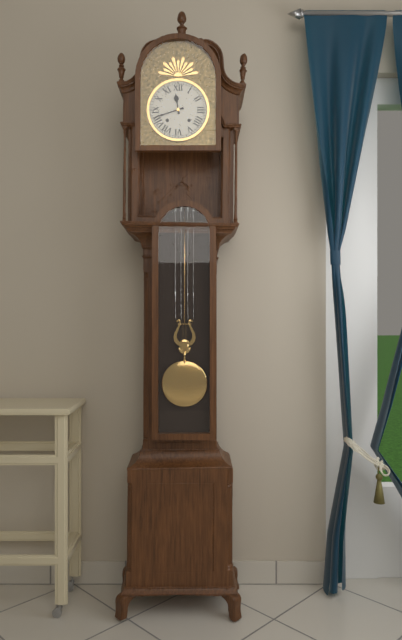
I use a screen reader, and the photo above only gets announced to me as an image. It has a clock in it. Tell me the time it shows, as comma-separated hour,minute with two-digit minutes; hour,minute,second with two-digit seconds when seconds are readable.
11,42
